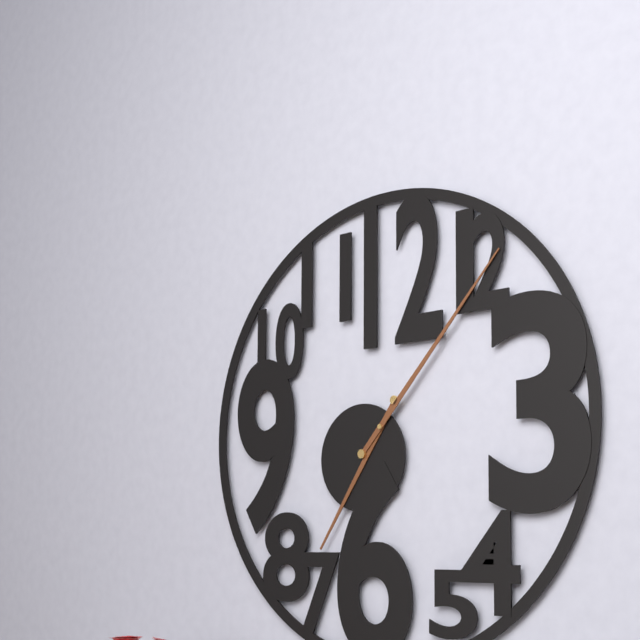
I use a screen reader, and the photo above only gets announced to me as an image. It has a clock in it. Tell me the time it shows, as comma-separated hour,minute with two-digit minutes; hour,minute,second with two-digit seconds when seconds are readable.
7,07
